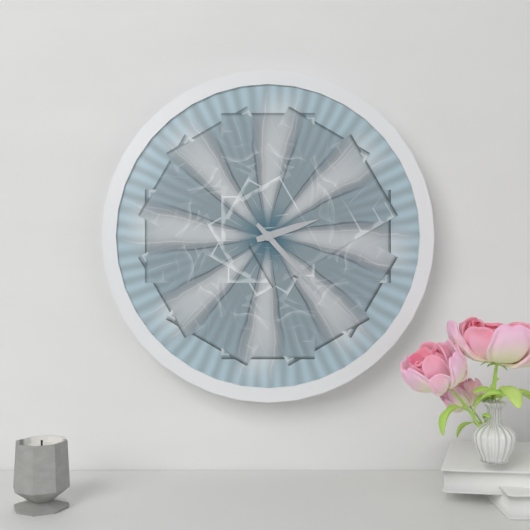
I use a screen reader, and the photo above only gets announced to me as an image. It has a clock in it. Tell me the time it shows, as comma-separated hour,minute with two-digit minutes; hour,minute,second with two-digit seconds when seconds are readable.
2,23
